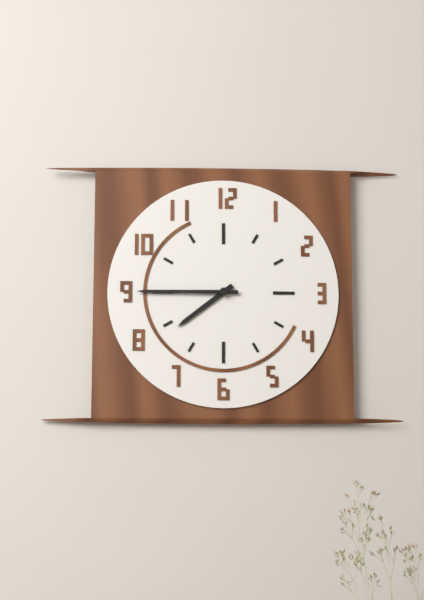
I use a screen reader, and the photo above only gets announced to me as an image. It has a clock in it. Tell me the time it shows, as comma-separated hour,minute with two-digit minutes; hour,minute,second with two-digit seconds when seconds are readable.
7,45
